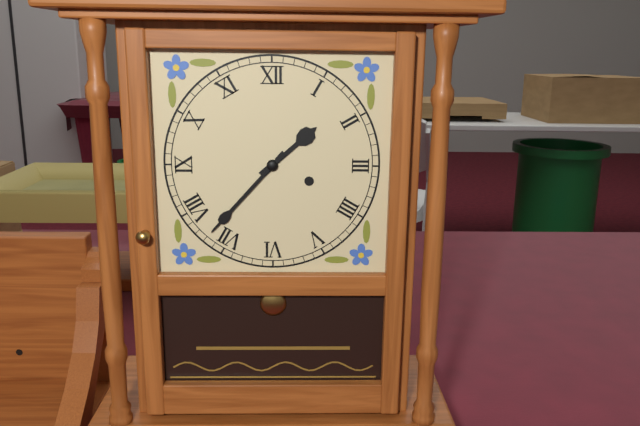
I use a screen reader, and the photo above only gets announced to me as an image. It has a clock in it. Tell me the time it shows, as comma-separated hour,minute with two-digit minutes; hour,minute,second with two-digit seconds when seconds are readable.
1,37
